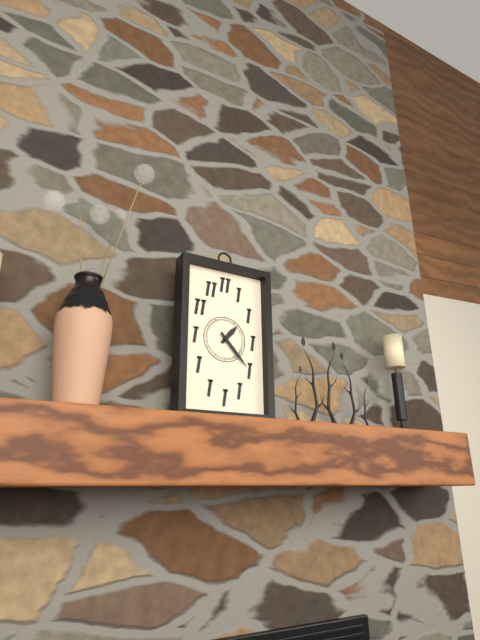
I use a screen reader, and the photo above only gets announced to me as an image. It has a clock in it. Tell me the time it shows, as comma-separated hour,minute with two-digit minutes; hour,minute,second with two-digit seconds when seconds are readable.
1,23
